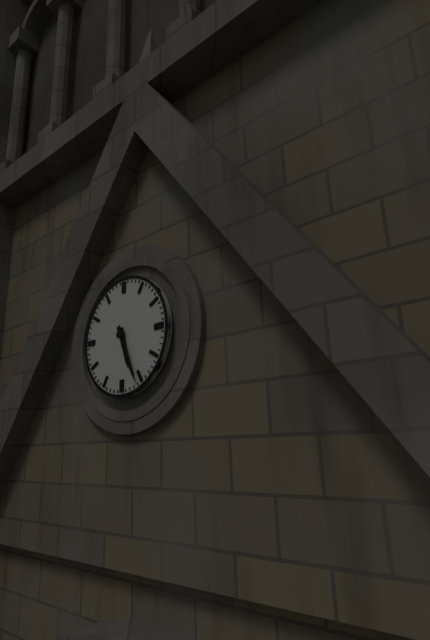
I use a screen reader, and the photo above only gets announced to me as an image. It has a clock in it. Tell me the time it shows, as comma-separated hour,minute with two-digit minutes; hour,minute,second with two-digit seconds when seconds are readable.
5,26
